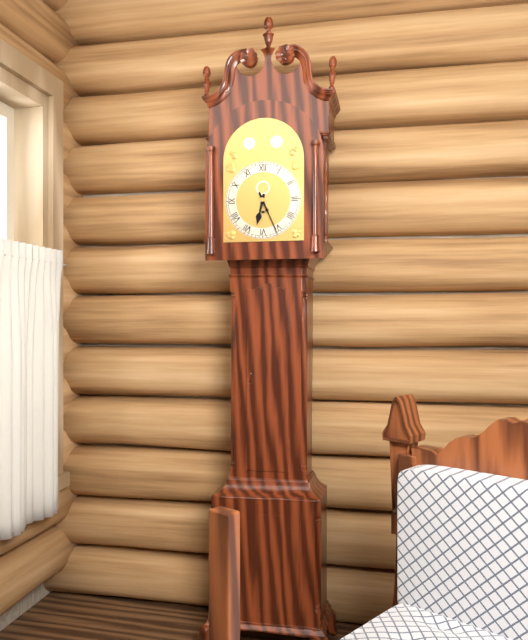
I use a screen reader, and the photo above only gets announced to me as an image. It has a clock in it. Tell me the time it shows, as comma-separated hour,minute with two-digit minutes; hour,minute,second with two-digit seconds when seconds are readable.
6,26
